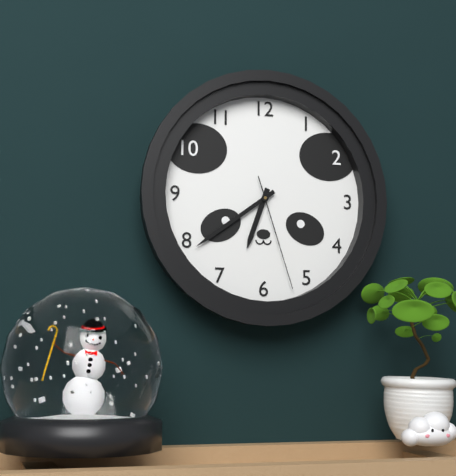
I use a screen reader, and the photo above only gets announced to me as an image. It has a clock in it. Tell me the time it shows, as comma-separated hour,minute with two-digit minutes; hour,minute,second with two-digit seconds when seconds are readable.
6,39,27
